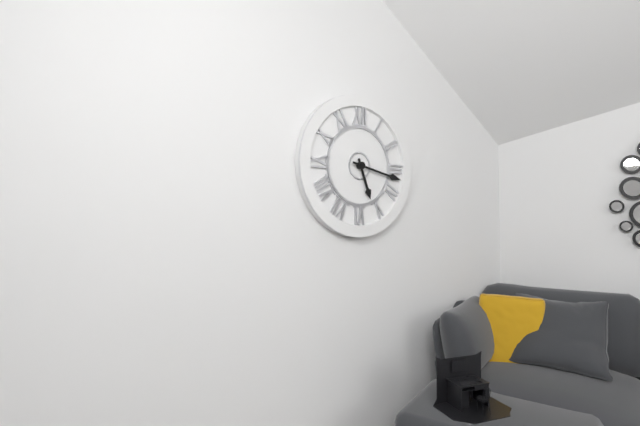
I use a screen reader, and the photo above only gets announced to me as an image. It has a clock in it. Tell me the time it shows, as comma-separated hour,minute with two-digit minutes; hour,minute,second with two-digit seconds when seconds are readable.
5,17
